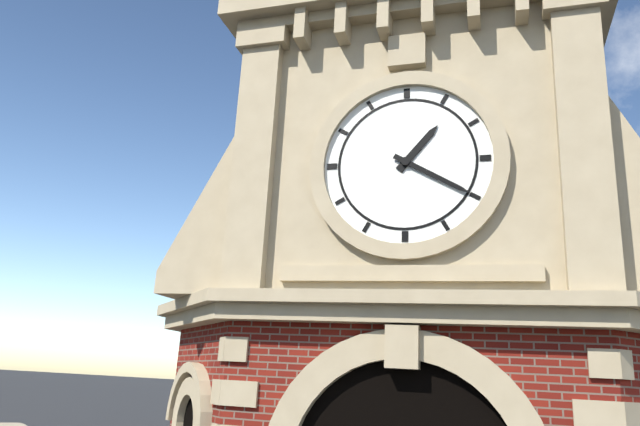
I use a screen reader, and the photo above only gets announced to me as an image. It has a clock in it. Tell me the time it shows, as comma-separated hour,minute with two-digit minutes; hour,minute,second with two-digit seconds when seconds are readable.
1,20
